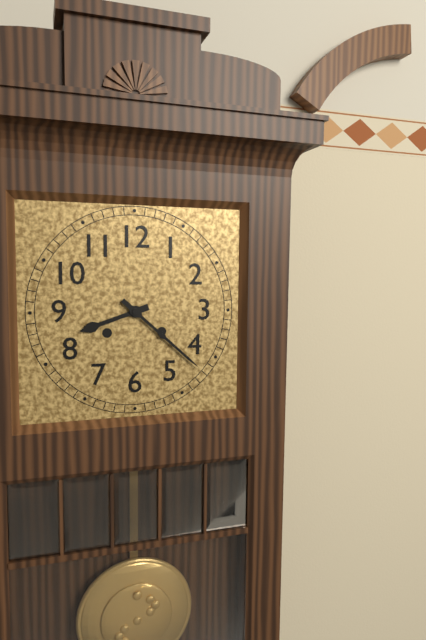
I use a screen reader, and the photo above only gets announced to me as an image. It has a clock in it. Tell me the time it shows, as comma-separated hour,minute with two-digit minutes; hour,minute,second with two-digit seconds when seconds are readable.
8,22
